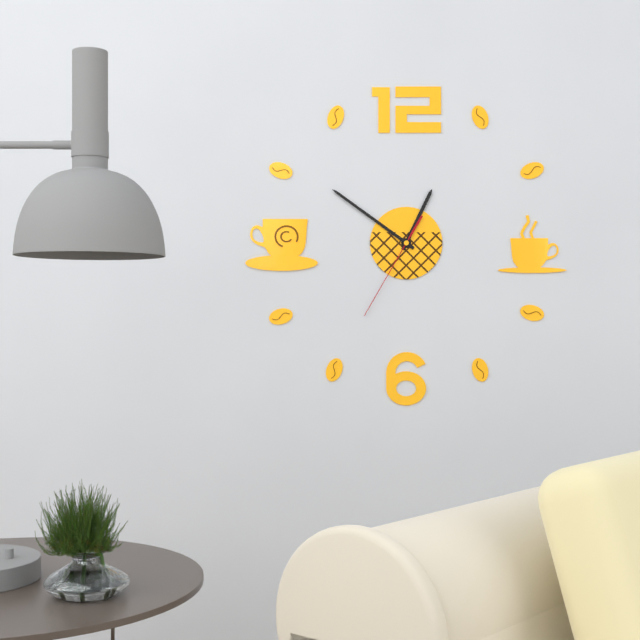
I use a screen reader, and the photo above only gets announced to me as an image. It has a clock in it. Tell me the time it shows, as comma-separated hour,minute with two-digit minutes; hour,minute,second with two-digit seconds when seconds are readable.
12,51,35
